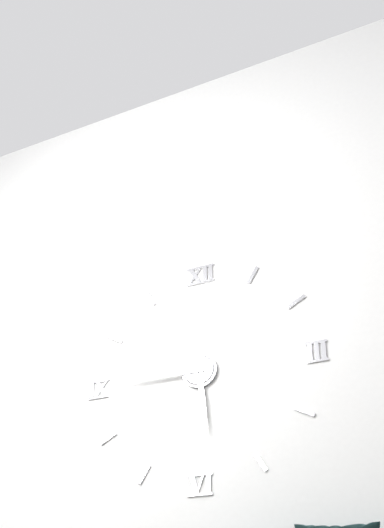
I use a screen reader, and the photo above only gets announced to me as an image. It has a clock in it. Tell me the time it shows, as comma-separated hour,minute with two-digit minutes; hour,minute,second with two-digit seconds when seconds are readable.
5,45
